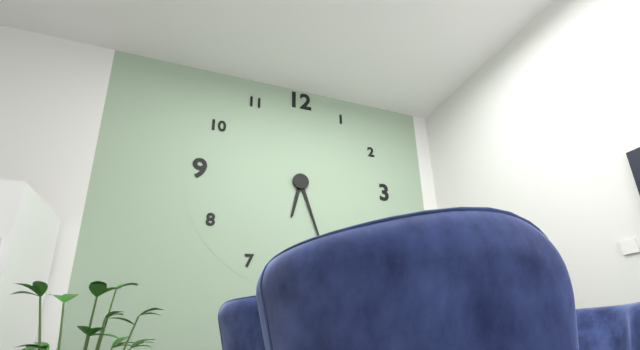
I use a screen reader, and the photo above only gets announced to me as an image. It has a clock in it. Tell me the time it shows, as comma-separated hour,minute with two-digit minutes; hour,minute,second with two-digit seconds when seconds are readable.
6,27
